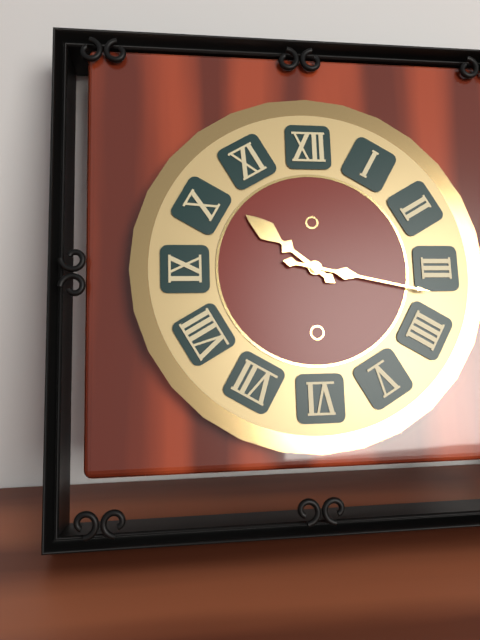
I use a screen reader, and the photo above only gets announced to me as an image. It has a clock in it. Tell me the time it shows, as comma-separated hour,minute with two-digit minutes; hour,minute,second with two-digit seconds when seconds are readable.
10,17
